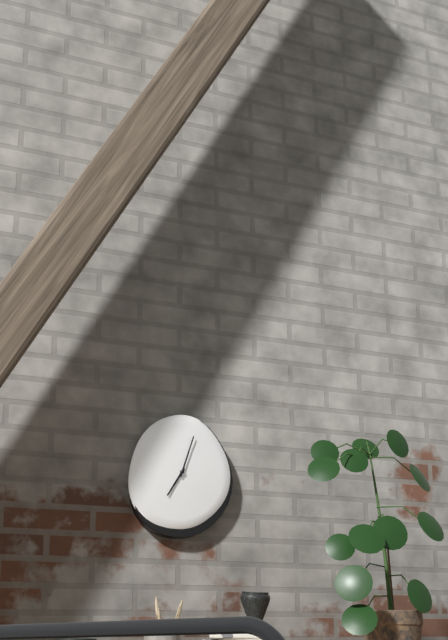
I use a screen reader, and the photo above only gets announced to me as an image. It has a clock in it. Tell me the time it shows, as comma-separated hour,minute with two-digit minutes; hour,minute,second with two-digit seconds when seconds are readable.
7,03
